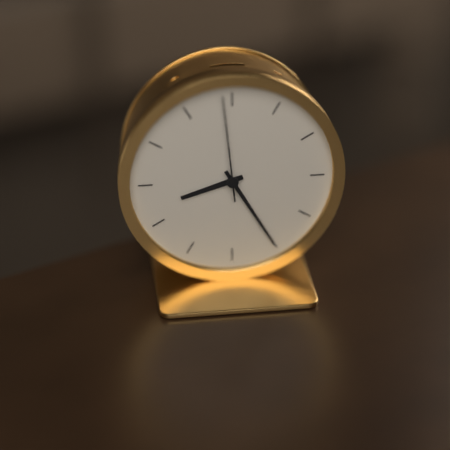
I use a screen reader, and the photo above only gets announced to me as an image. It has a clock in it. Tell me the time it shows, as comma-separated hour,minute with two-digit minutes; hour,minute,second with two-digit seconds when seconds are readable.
8,25,59
